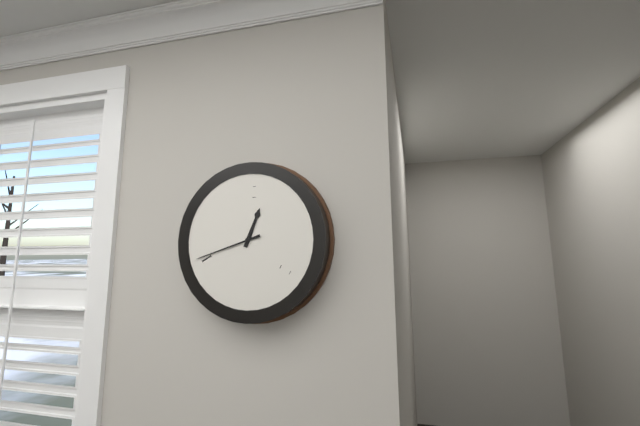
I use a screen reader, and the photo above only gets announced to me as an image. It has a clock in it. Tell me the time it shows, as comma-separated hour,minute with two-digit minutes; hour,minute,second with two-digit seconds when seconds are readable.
12,42
